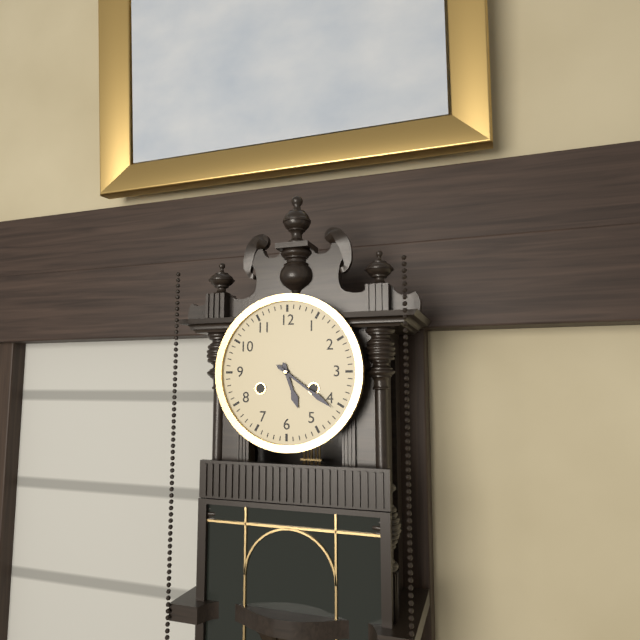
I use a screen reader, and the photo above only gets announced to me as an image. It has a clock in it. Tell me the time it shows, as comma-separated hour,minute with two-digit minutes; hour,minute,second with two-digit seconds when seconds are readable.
5,21
